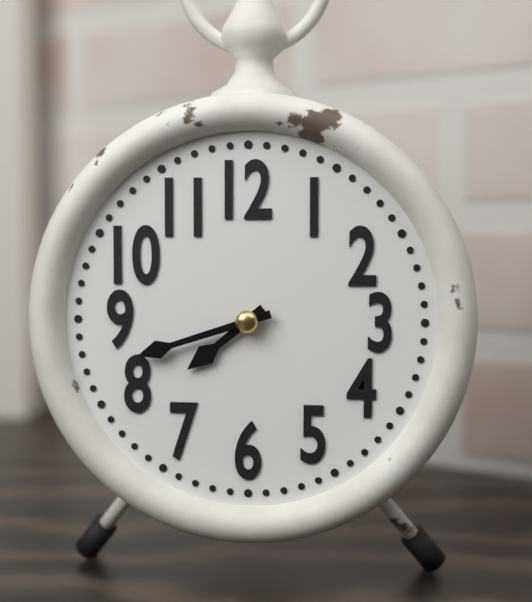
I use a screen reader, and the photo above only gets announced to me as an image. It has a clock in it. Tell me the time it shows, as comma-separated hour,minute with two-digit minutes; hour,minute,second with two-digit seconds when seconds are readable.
7,42
